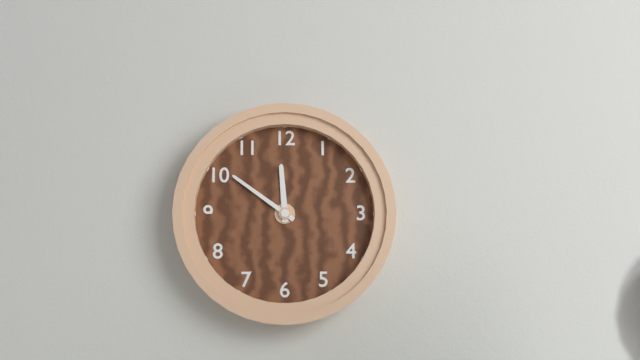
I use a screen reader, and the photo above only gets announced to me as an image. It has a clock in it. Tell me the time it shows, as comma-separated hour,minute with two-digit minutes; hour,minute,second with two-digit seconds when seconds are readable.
11,51
